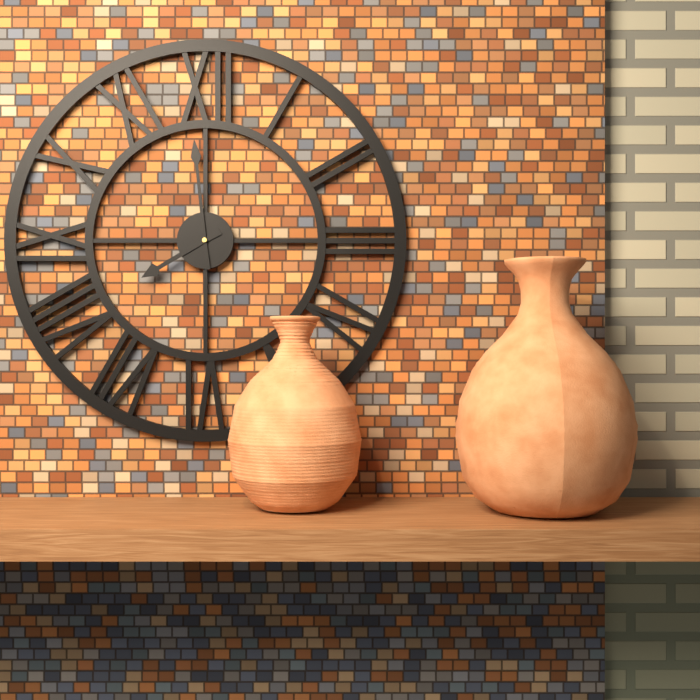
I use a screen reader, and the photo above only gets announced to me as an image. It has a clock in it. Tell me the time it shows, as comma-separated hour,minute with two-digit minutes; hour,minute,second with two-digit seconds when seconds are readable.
7,59
